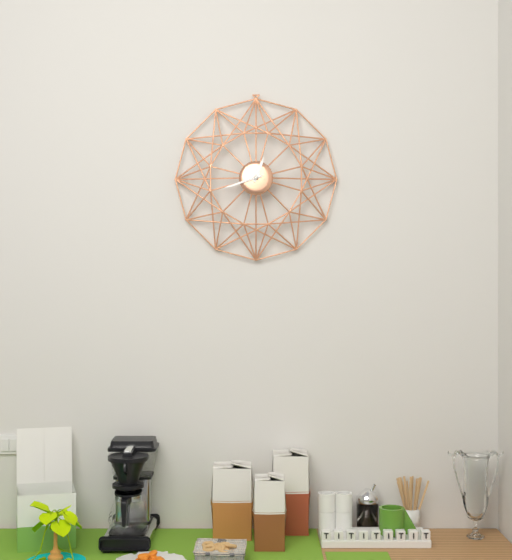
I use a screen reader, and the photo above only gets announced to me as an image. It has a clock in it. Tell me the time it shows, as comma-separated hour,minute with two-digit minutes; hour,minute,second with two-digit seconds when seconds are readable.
12,42
